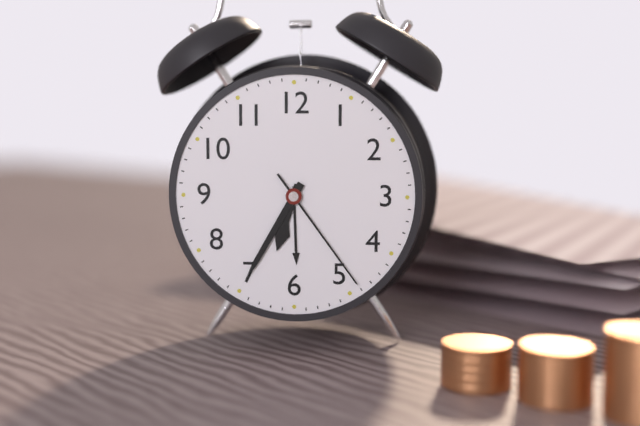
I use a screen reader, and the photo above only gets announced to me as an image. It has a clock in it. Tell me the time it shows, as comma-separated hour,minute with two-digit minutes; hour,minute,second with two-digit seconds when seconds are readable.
6,35,24
